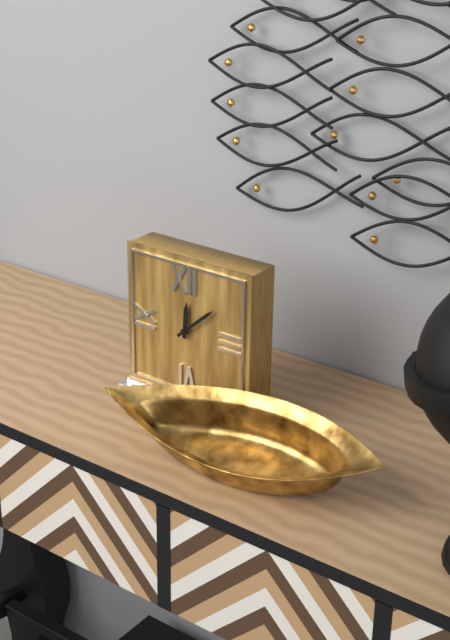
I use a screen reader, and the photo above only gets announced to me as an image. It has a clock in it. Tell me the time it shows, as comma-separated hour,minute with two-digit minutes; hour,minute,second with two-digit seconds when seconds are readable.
12,08
